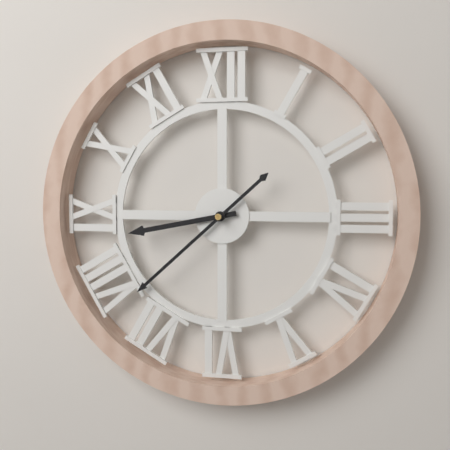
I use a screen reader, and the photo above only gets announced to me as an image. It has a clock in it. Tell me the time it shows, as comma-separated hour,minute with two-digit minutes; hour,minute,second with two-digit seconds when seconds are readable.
8,38
